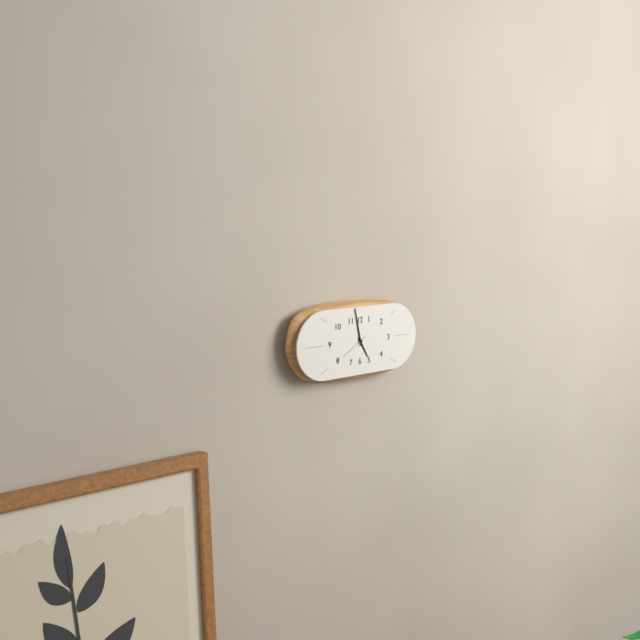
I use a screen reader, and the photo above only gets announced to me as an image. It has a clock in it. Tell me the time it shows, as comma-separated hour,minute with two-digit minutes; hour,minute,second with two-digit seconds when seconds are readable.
4,58
